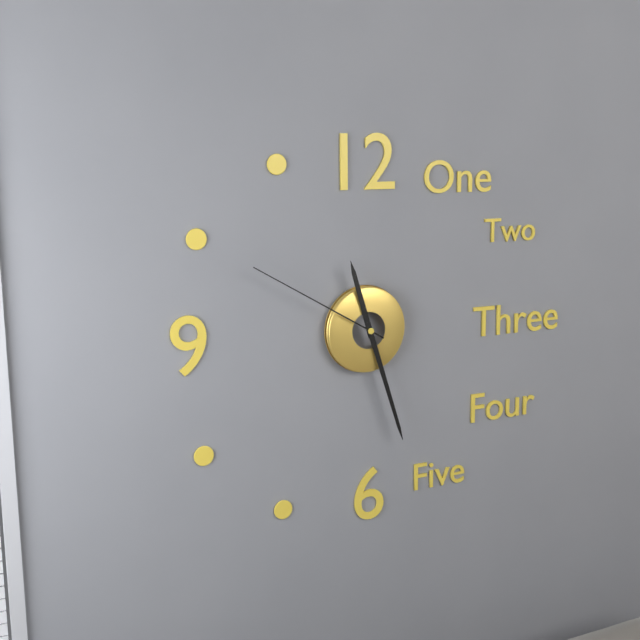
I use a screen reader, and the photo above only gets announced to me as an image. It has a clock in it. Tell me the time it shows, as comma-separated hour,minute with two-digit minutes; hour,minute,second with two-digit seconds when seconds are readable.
11,27,50
